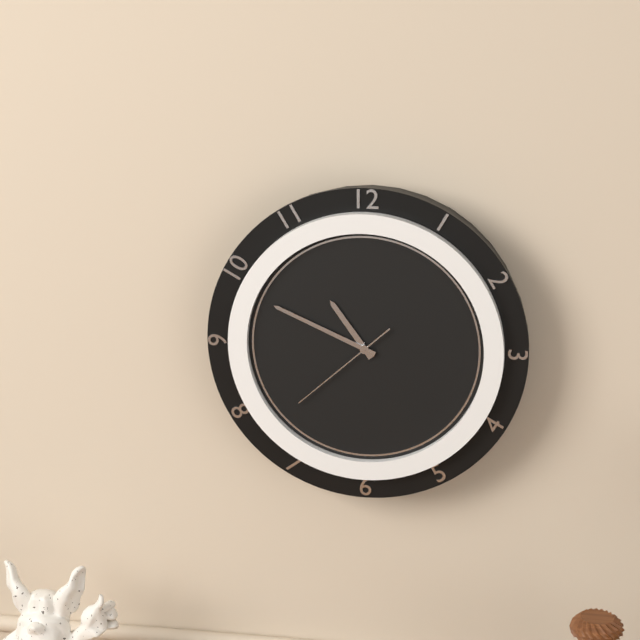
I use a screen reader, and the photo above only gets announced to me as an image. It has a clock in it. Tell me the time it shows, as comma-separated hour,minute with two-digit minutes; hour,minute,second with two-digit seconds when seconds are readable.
10,49,38
